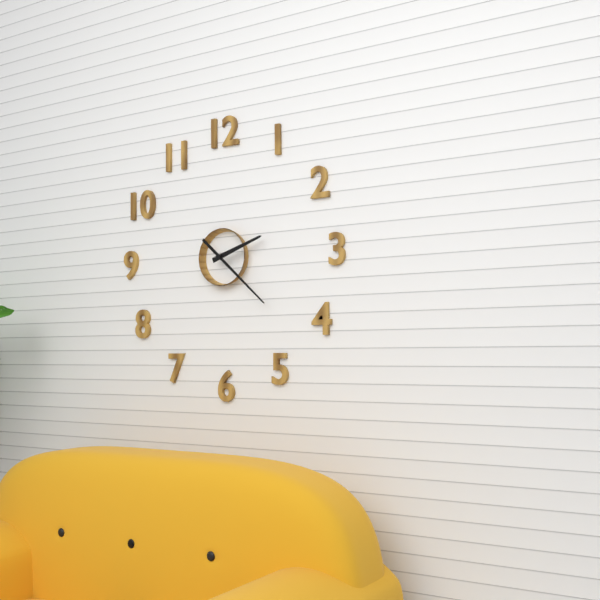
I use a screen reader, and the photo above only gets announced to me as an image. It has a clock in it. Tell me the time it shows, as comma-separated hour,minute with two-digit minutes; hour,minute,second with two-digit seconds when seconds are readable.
2,22
